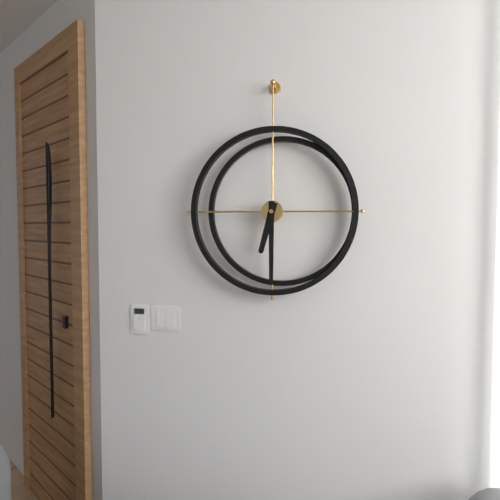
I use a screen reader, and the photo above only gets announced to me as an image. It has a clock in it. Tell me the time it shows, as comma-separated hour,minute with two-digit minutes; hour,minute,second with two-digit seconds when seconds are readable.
6,30
